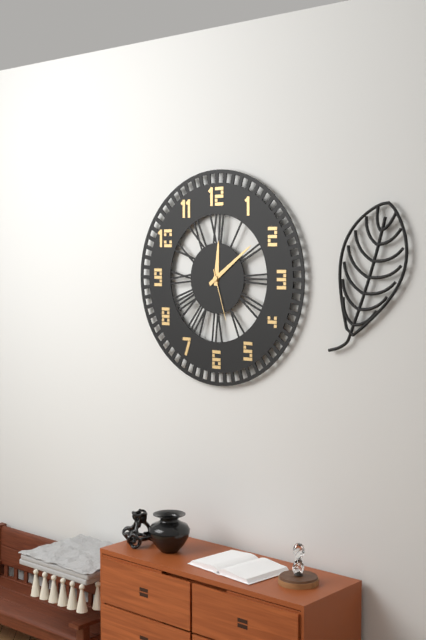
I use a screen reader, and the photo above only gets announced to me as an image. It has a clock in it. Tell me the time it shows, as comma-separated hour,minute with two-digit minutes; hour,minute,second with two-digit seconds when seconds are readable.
12,09,27
